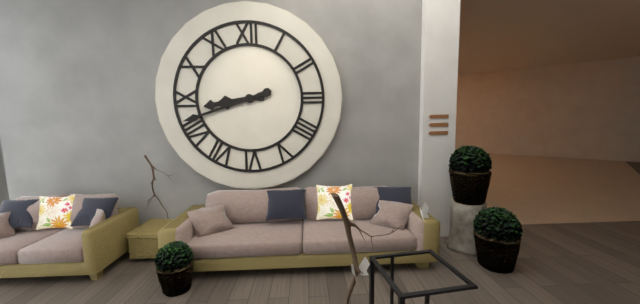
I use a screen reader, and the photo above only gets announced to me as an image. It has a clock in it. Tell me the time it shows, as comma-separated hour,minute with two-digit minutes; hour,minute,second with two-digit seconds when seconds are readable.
8,42
